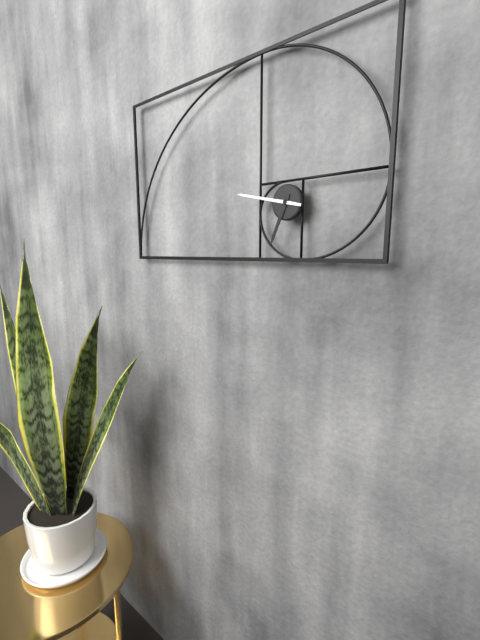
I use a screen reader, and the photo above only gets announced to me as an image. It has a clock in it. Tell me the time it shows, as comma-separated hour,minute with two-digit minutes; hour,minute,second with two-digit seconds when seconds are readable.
6,47
